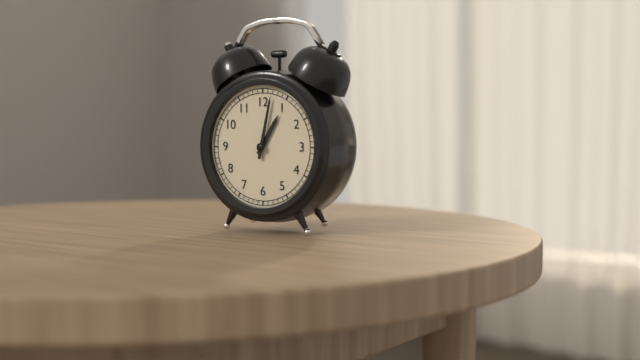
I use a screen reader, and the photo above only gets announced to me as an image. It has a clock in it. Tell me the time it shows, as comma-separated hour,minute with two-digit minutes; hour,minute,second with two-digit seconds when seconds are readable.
1,02
